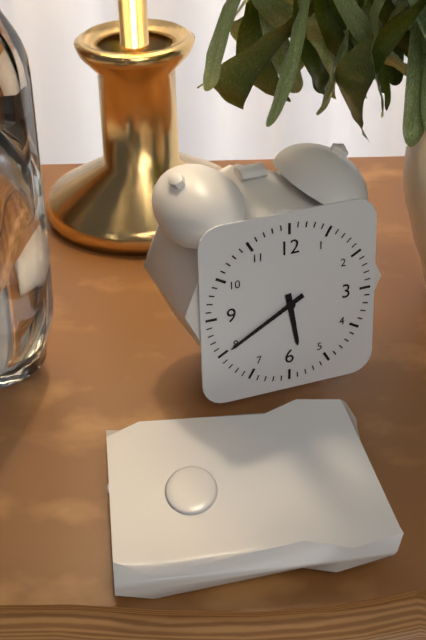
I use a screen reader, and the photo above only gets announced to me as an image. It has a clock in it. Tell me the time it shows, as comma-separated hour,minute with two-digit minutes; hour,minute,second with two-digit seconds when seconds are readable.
5,40
